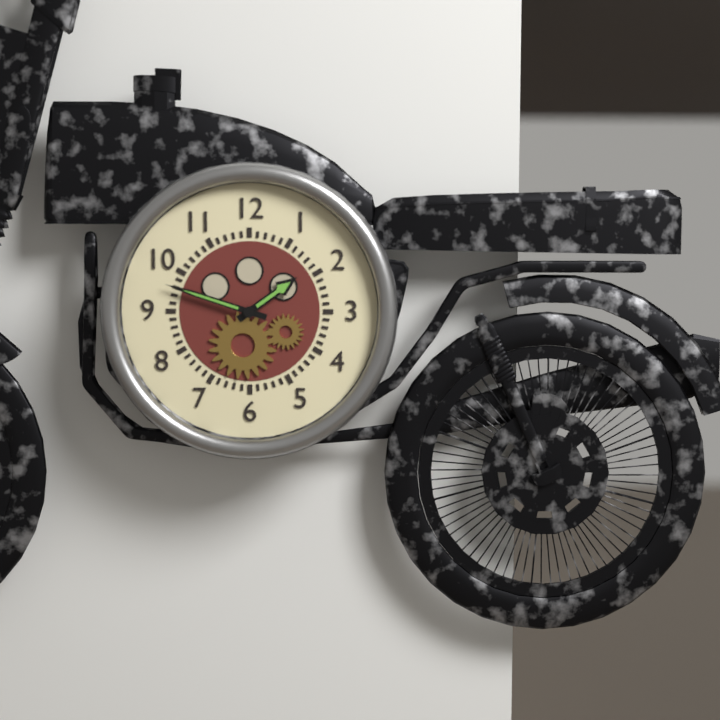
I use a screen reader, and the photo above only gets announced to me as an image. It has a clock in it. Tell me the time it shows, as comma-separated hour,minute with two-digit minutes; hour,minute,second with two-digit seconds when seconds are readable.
1,48
